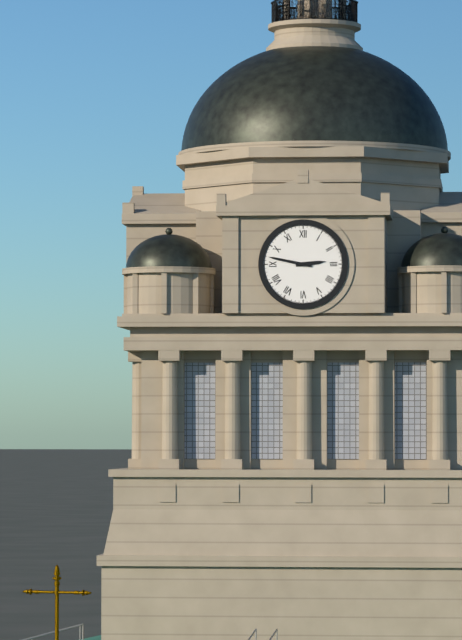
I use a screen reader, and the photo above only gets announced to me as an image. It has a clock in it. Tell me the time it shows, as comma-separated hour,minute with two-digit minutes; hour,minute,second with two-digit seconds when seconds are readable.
2,47
